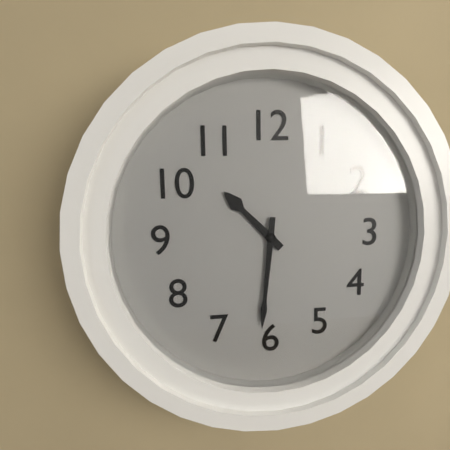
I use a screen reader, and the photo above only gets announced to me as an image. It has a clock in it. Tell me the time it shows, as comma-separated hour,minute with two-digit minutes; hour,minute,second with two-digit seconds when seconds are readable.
10,31
